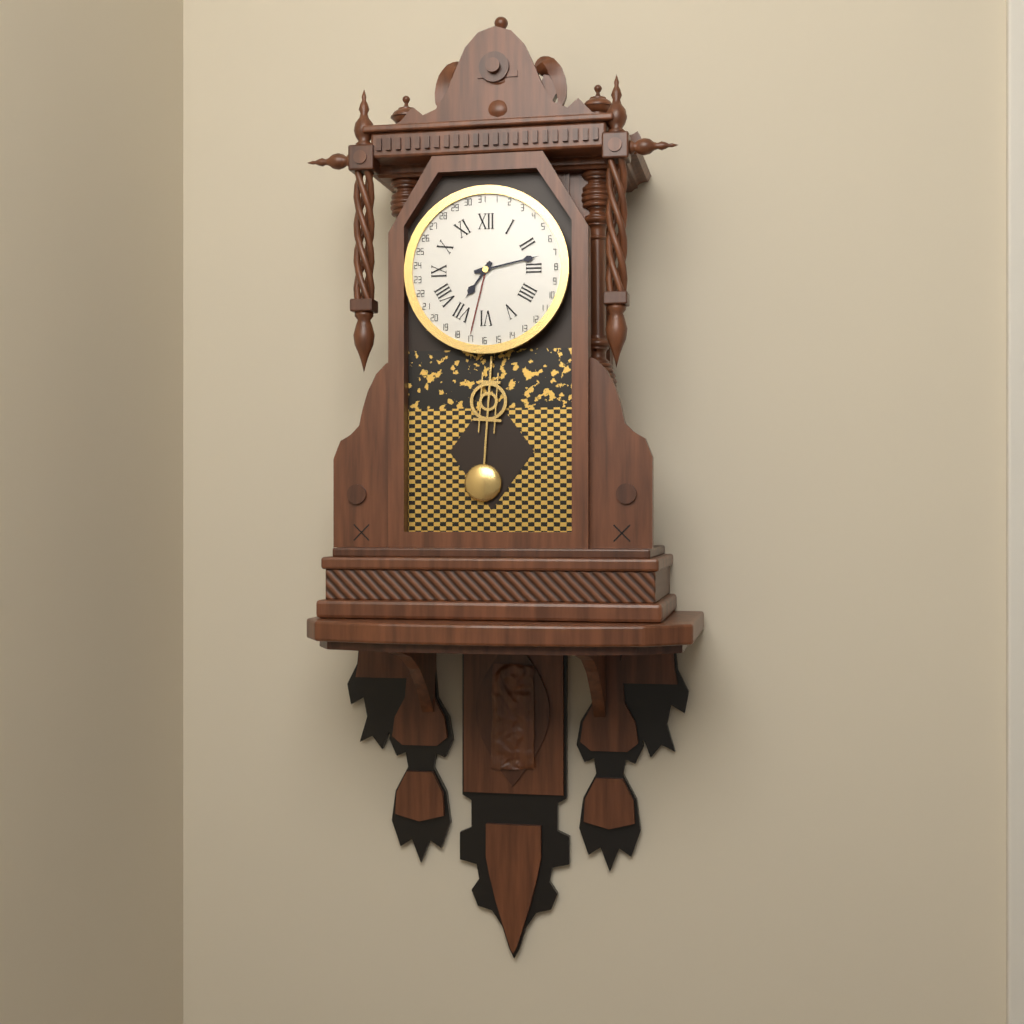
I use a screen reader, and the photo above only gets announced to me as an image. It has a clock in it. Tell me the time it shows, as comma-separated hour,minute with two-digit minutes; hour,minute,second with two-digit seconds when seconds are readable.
7,13
